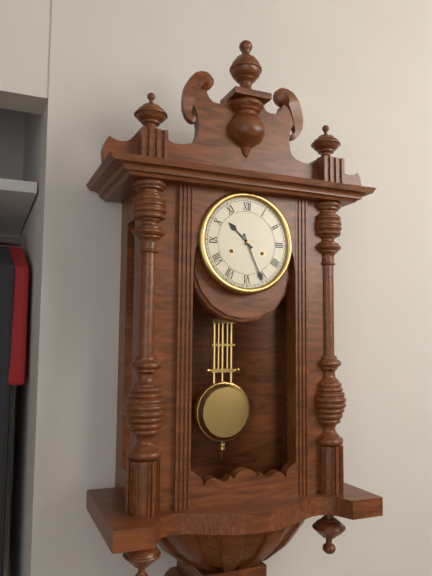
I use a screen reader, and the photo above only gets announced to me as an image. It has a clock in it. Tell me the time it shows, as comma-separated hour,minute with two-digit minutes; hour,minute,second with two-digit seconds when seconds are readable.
10,26
